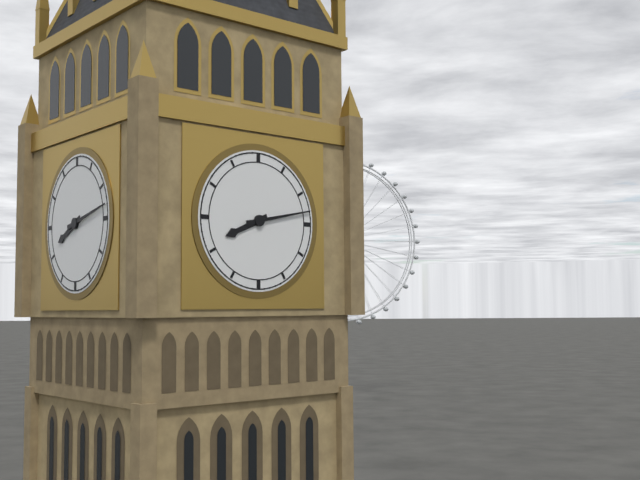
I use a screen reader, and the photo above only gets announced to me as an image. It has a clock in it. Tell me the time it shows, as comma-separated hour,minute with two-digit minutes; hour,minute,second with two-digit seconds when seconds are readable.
8,13
